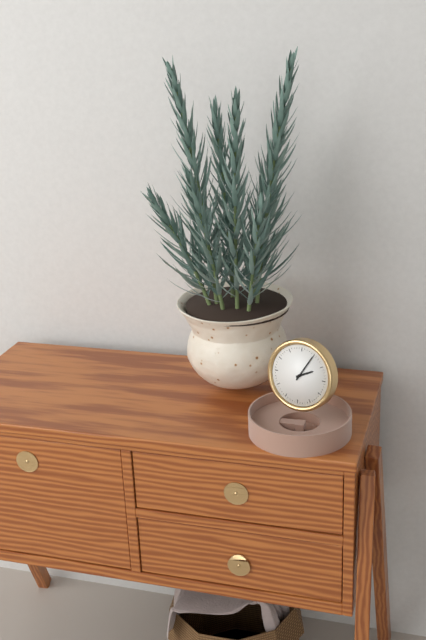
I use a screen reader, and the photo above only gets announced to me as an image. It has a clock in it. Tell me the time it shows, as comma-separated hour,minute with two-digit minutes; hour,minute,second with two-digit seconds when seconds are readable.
2,05
